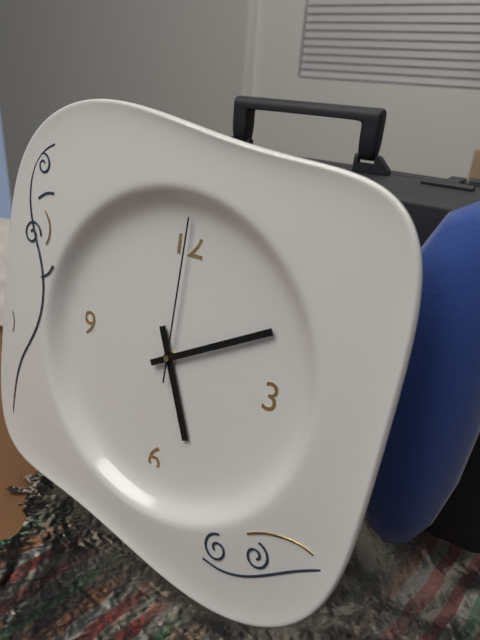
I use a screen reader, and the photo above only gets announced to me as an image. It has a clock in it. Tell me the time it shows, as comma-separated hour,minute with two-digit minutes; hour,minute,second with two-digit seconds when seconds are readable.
5,10,00
